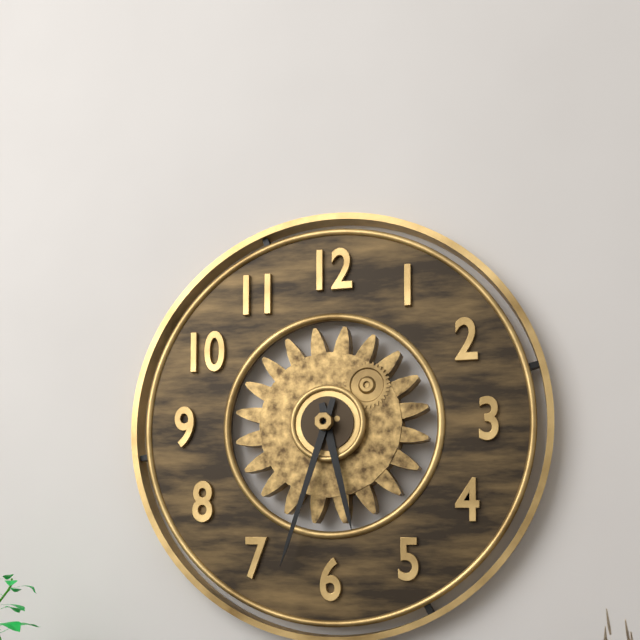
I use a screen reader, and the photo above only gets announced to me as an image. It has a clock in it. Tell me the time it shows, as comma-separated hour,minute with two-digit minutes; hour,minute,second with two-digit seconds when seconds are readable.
5,33
